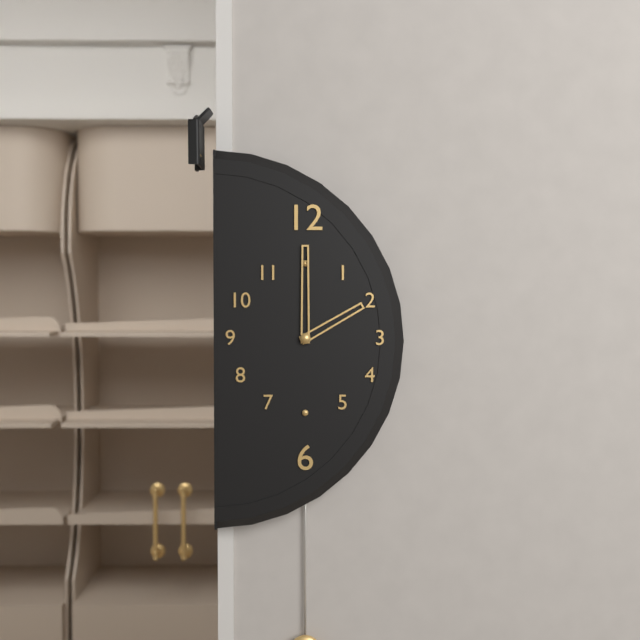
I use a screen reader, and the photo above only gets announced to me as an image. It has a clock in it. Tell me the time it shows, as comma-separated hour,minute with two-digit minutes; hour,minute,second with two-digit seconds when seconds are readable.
2,00
